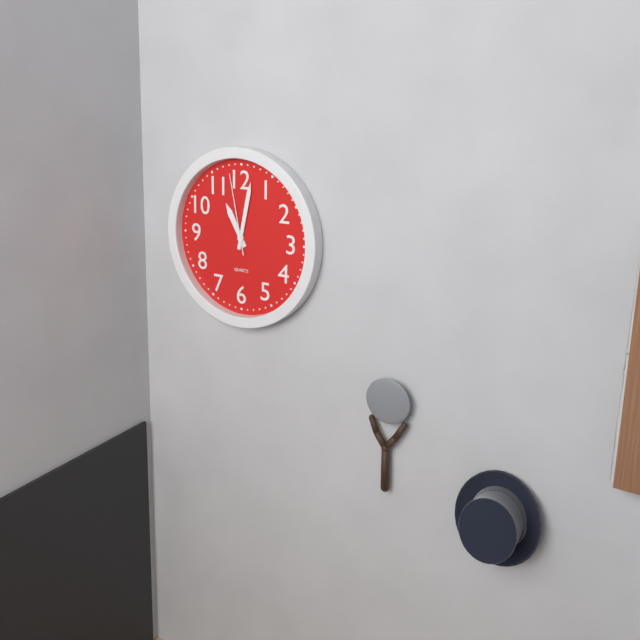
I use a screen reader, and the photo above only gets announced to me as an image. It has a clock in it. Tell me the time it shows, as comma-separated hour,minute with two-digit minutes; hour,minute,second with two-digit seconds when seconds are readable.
11,02,58
